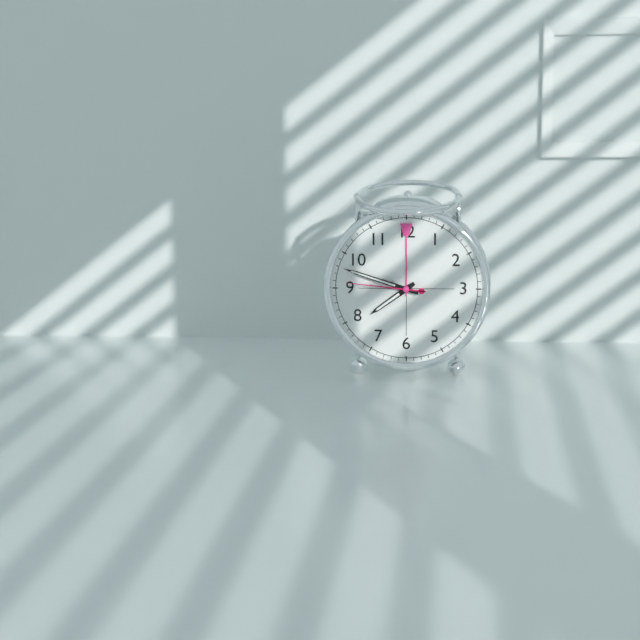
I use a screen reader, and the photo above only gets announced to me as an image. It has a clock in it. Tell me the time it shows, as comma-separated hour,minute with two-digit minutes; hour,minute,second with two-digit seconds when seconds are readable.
7,48,46
